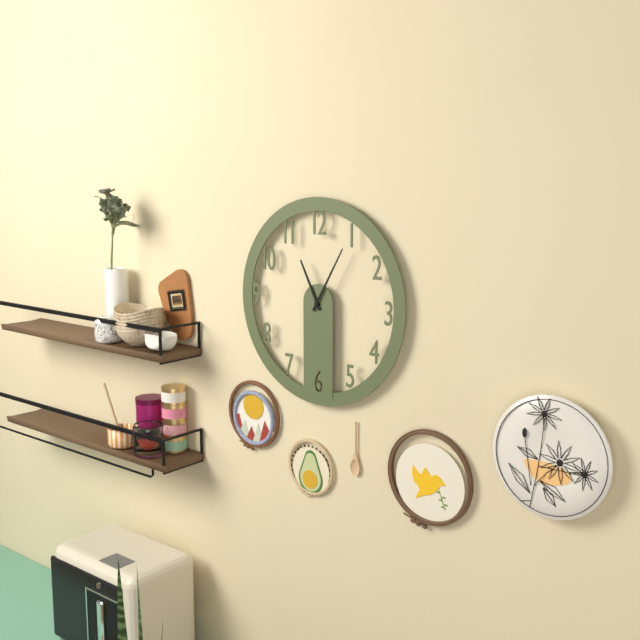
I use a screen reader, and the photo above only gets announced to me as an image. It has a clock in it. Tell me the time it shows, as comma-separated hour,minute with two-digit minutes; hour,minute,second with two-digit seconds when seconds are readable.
11,05
